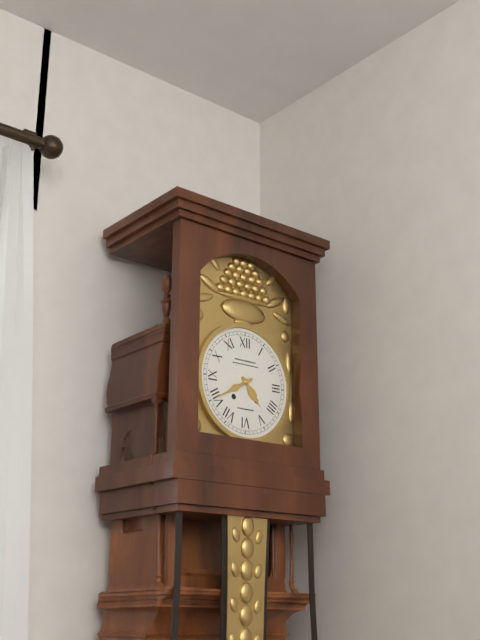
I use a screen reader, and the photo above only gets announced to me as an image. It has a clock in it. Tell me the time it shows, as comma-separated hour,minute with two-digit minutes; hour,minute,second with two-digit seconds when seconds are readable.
4,40
